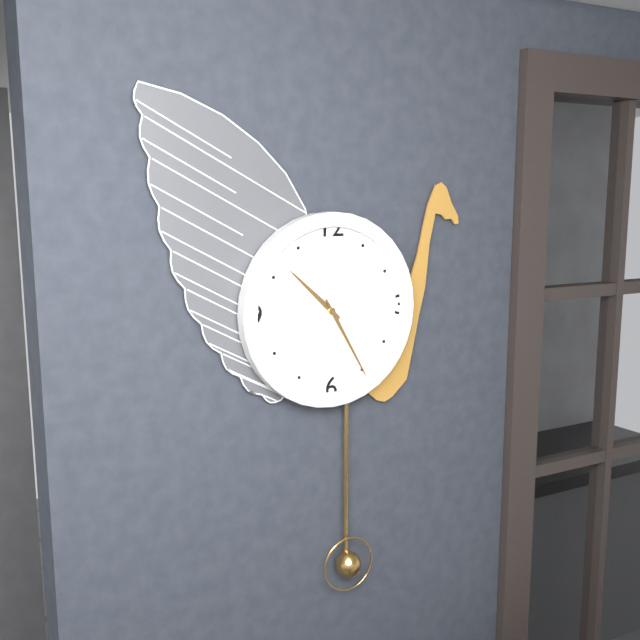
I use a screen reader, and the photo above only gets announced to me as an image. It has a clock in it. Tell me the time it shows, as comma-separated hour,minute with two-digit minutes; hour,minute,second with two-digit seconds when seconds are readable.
10,25
